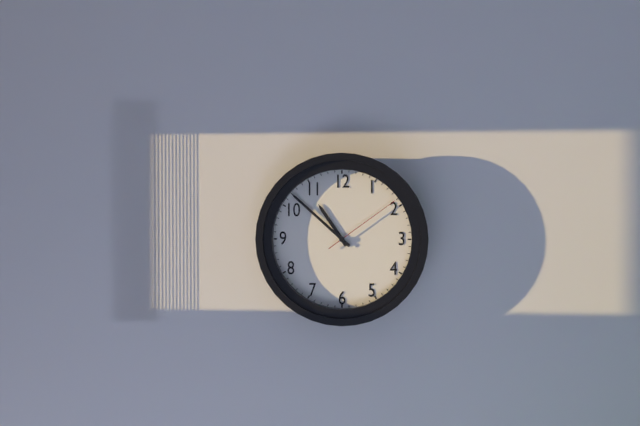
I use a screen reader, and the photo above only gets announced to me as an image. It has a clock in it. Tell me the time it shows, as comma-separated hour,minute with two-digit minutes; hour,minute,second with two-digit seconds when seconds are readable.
10,52,09
